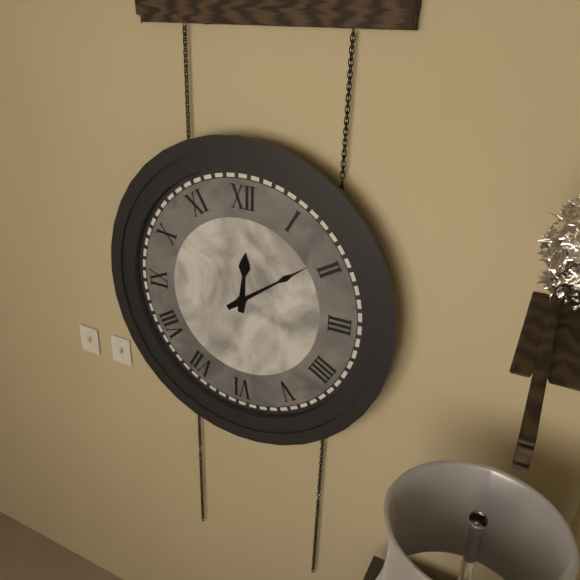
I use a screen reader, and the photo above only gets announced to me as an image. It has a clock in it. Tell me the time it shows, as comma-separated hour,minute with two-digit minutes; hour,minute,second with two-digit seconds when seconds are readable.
12,09
